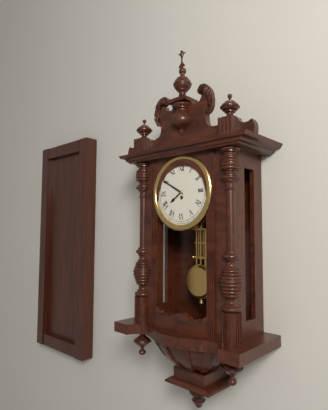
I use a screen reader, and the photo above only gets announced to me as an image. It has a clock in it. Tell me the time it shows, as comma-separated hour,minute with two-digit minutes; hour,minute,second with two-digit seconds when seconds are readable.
7,50
